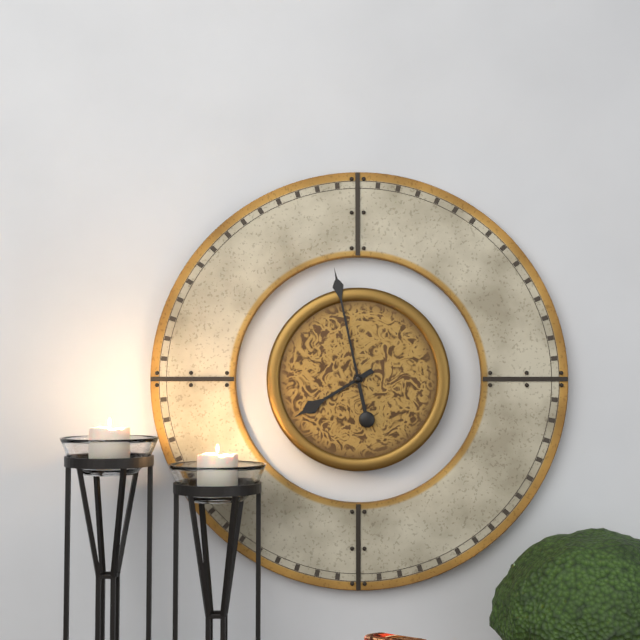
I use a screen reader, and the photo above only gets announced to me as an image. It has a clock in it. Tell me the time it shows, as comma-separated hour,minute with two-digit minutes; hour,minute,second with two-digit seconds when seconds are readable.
7,58
